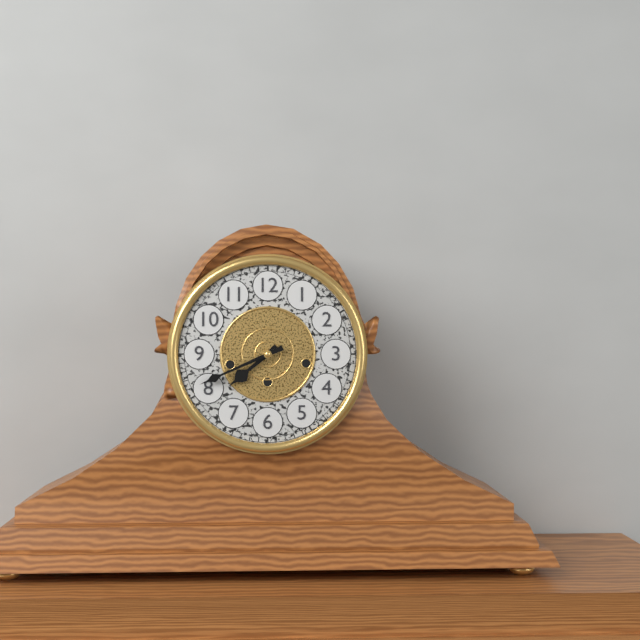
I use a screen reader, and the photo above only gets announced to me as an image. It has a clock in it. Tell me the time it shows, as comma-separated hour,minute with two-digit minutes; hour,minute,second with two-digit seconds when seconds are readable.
7,41
